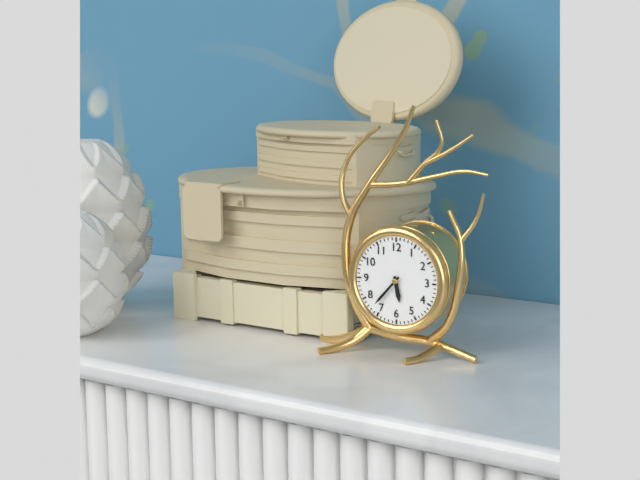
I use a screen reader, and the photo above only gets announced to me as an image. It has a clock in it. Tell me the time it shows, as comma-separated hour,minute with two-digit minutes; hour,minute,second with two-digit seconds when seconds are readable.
5,37
